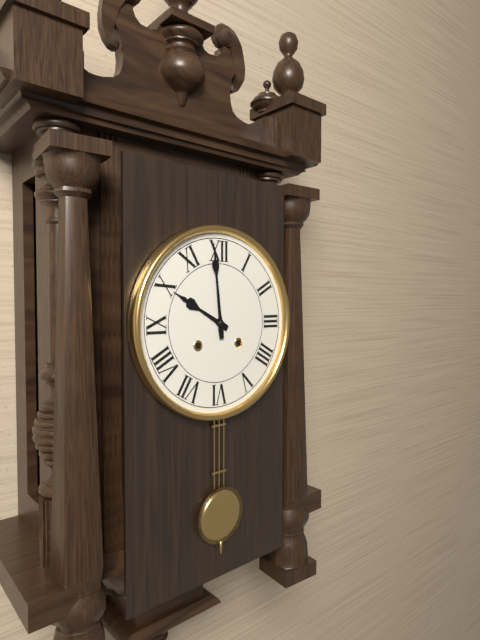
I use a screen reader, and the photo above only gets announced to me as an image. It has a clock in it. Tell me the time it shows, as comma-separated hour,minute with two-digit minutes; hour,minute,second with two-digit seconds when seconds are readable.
9,59
